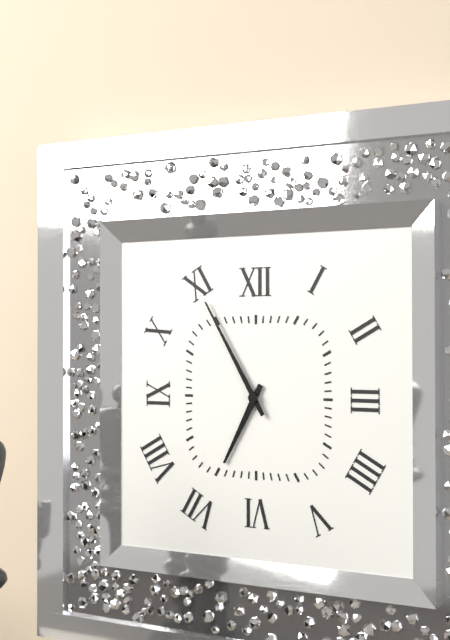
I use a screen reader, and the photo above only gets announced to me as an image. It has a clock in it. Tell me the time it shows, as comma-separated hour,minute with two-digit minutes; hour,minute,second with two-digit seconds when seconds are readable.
6,55
